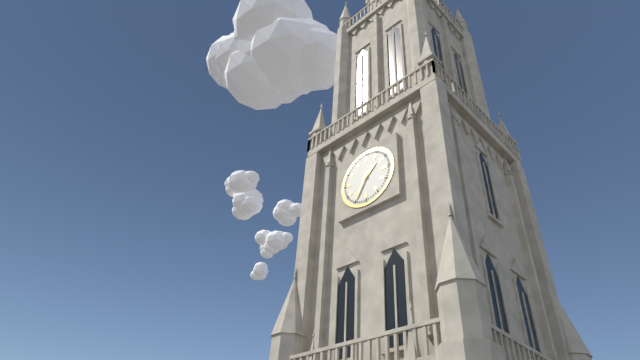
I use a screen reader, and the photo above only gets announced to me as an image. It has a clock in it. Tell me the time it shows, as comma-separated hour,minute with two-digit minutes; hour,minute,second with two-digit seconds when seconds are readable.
1,35
